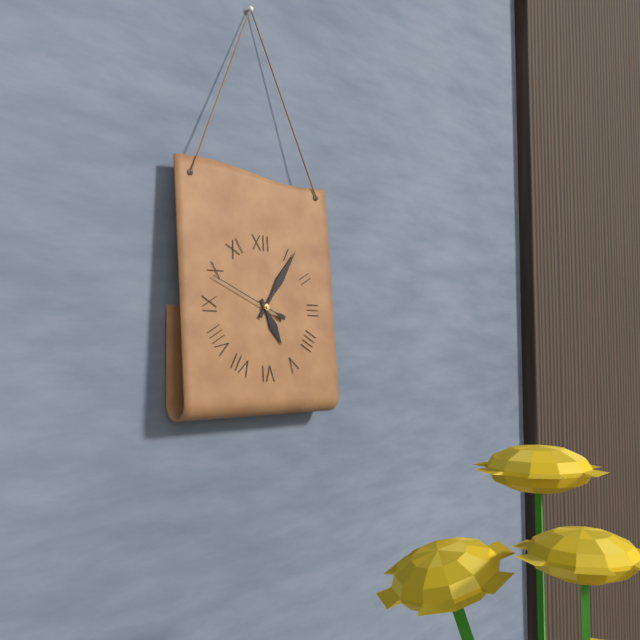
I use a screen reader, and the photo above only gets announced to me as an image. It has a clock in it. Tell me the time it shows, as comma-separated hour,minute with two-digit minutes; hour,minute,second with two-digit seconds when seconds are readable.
5,06,49
